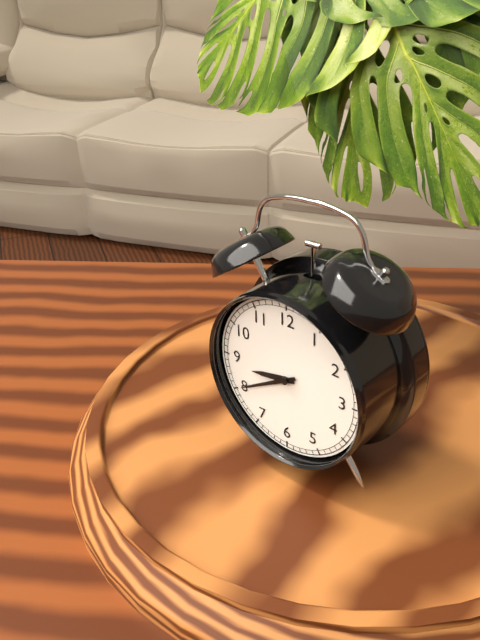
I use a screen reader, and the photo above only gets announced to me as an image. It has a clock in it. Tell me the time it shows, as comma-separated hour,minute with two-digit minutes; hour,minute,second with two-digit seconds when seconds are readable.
8,40
